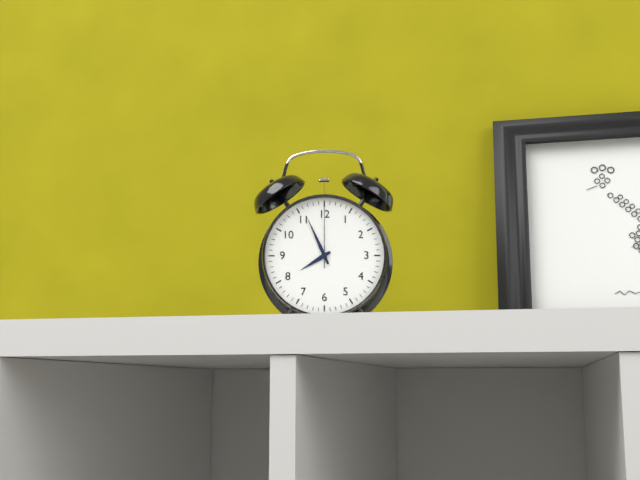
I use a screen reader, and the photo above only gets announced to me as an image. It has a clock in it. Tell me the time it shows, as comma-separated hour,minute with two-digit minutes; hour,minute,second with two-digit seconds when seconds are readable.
7,56,00
